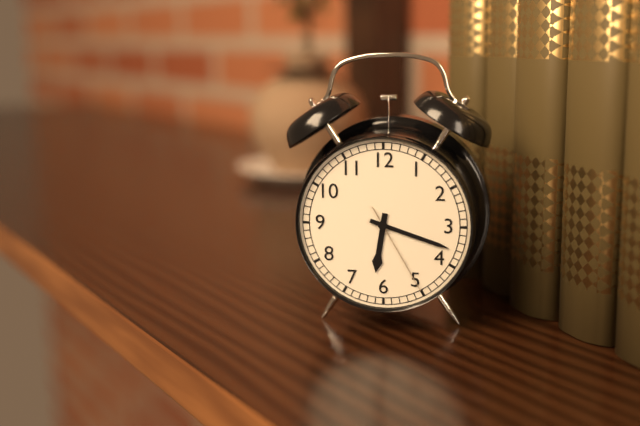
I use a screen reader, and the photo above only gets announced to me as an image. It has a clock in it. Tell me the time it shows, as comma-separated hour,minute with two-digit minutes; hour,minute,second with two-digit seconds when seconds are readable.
6,18,25
